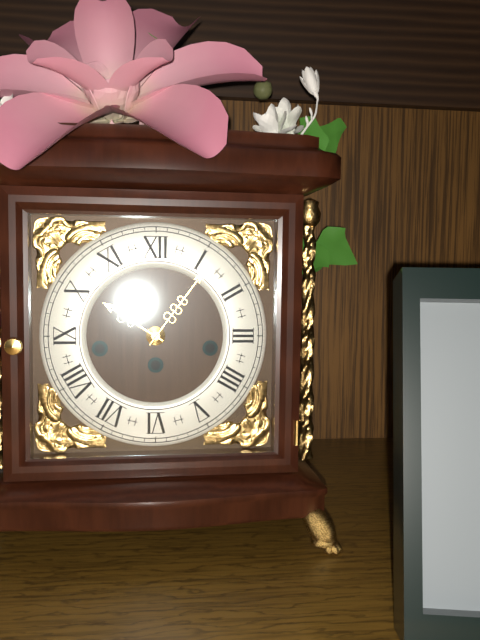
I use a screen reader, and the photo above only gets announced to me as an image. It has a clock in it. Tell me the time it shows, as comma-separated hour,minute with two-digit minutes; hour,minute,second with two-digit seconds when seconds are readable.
10,06
